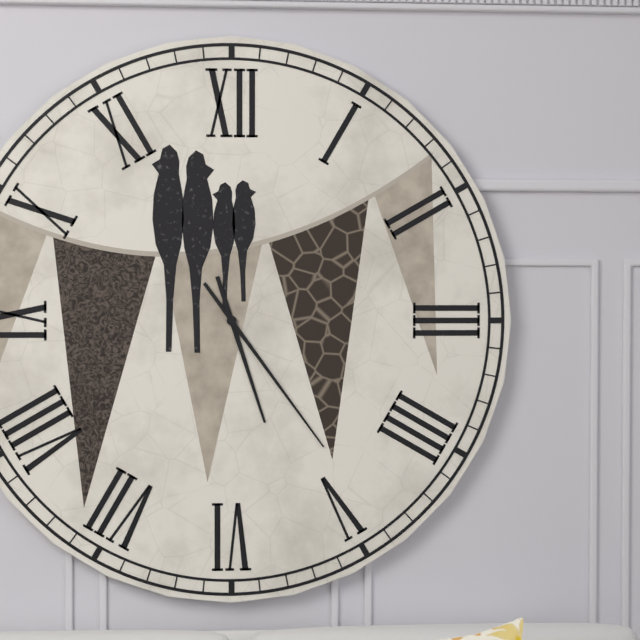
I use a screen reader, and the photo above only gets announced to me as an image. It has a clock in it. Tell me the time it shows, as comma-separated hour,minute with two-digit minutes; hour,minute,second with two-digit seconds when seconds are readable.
5,24
